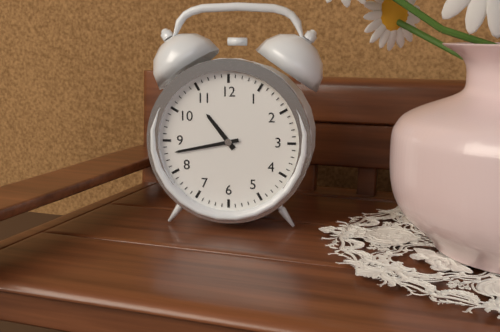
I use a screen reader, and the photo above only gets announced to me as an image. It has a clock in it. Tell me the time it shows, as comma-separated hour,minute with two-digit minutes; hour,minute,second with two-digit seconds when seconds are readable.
10,43
